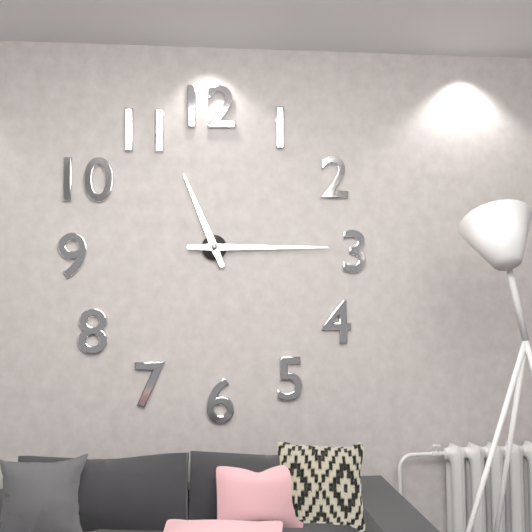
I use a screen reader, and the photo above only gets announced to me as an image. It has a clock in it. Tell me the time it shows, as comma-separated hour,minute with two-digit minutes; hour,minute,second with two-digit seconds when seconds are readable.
11,15
